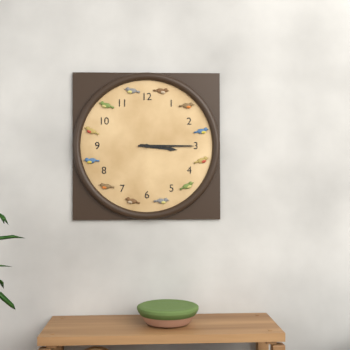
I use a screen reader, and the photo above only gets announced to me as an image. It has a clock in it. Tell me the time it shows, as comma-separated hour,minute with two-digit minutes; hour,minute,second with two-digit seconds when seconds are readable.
3,15
